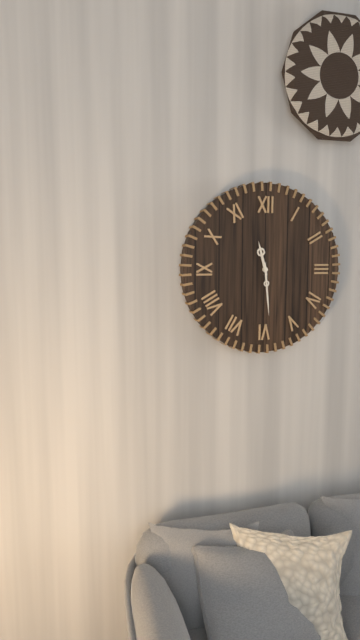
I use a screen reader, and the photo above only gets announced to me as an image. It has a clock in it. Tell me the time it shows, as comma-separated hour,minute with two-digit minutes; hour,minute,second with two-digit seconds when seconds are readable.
11,29
